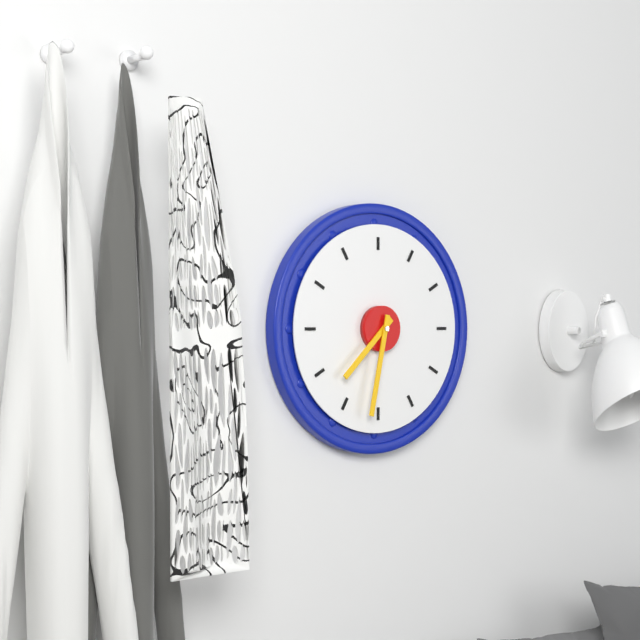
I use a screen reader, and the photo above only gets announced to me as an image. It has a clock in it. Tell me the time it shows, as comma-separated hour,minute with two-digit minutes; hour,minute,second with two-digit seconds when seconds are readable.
7,32
